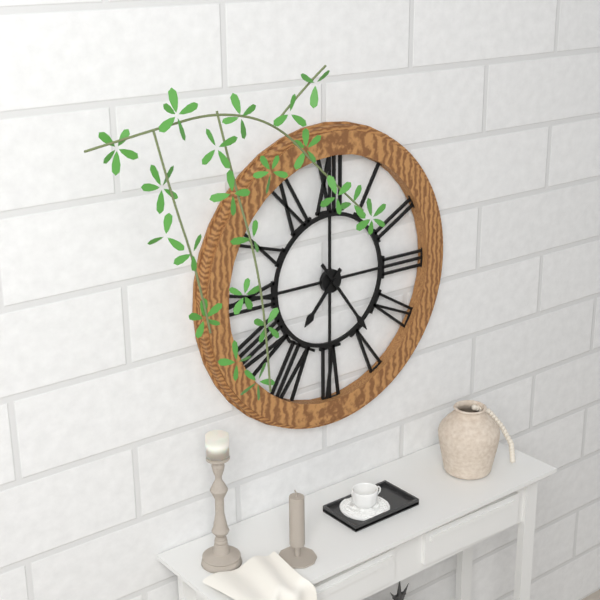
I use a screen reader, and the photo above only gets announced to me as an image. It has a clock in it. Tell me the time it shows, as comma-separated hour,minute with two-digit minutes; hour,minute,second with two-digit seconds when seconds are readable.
7,24
